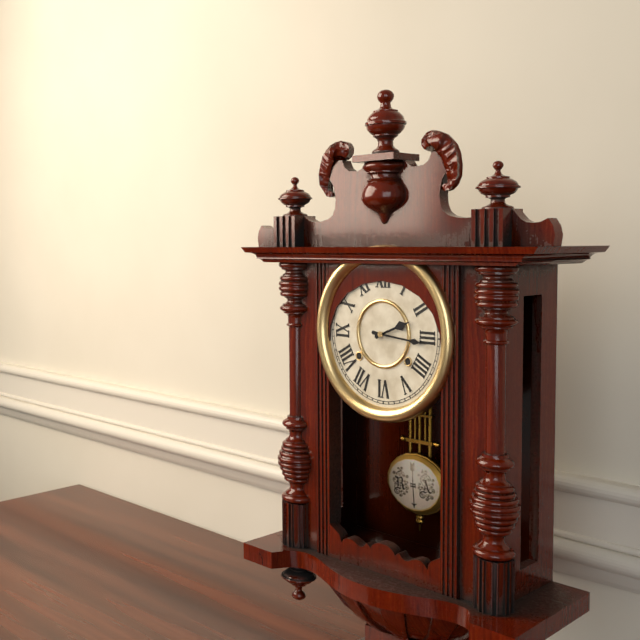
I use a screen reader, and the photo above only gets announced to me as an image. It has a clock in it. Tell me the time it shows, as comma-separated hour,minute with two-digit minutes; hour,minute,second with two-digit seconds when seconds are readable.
2,16
